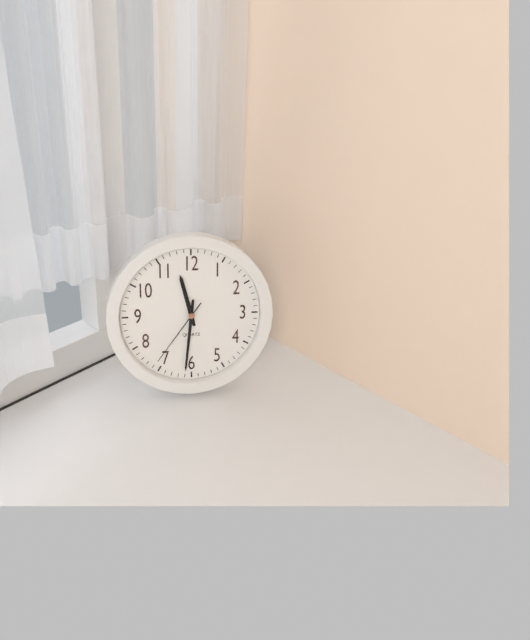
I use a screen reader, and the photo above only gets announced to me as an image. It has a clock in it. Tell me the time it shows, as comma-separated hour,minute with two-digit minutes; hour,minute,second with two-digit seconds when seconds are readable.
11,31,36
